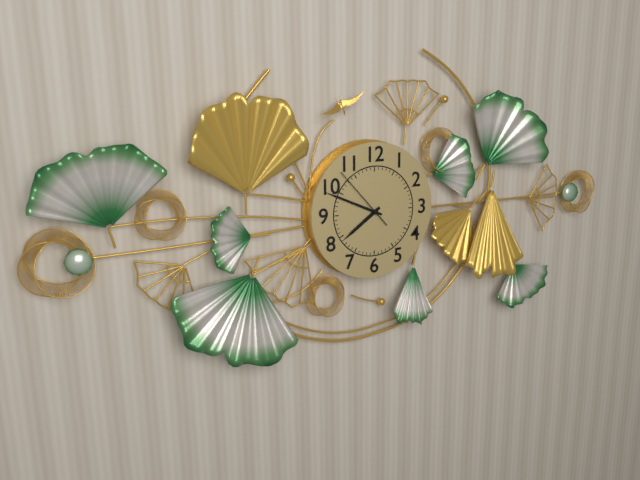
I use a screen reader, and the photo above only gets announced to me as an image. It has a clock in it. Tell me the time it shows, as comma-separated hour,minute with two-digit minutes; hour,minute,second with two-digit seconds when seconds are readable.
7,49,53
